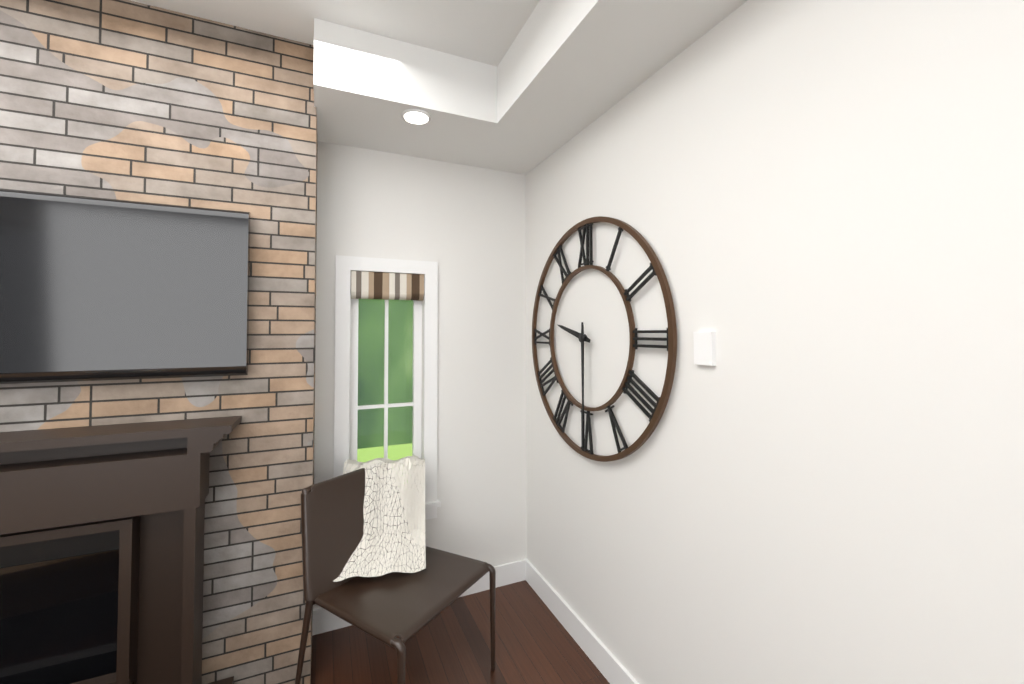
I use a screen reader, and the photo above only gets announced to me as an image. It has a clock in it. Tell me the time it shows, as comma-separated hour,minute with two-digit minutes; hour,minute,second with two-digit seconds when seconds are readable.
9,30
